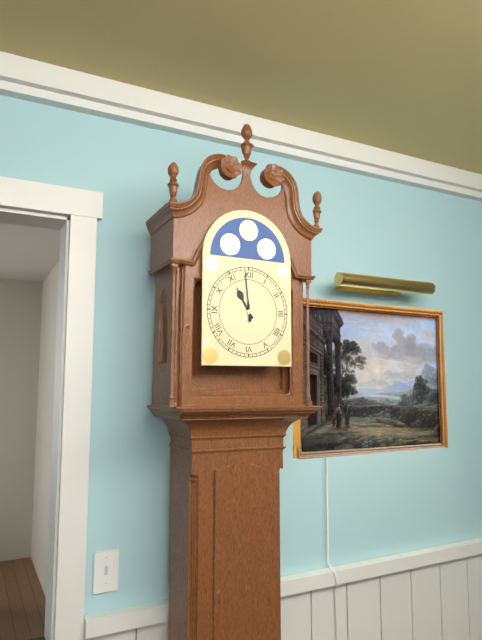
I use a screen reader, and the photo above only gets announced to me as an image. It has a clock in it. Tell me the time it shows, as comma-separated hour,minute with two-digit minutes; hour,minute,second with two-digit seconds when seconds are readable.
10,59
